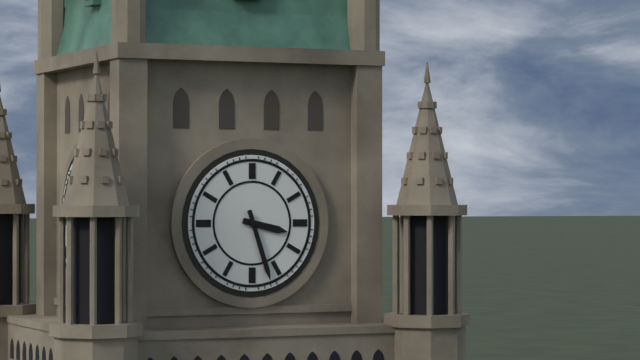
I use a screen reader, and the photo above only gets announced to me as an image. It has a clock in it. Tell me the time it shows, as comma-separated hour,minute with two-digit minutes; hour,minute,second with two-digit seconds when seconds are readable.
3,27
